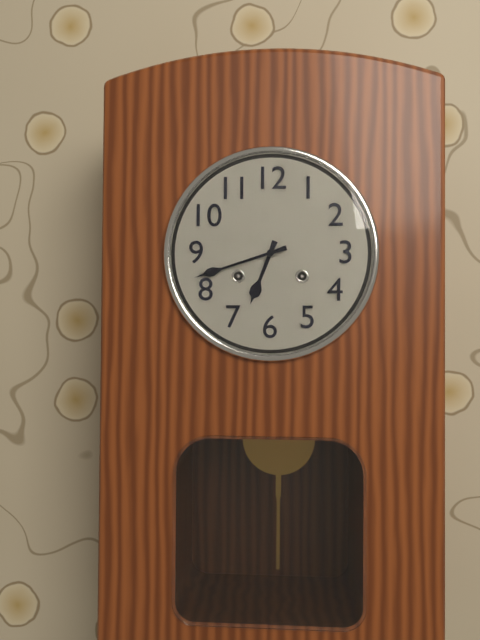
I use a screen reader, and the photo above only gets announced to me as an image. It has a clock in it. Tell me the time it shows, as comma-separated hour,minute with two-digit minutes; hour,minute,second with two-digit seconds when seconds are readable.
6,42
